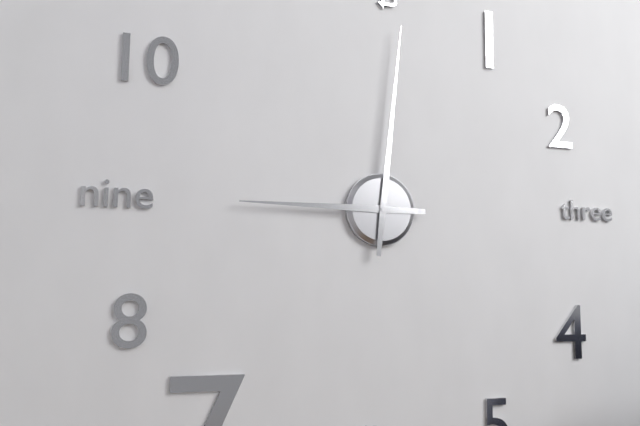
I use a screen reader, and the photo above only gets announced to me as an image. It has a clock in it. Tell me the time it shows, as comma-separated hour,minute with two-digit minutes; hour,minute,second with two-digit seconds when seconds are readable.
9,01
